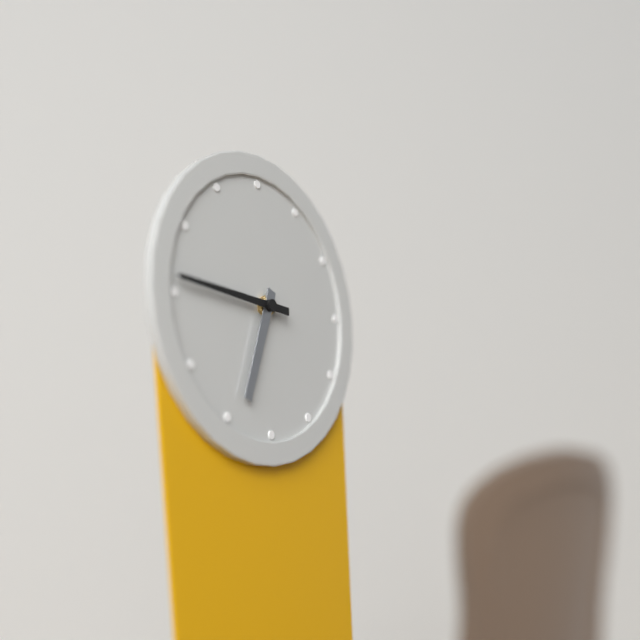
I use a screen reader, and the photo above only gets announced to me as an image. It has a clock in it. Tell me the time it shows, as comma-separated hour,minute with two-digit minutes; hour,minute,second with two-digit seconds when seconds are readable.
6,46
